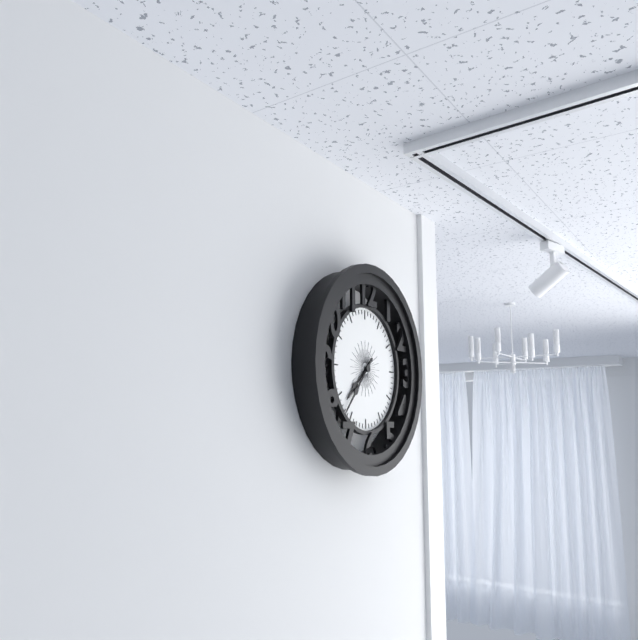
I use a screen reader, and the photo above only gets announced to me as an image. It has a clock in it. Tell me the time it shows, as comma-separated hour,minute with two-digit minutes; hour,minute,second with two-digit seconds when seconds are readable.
7,37
